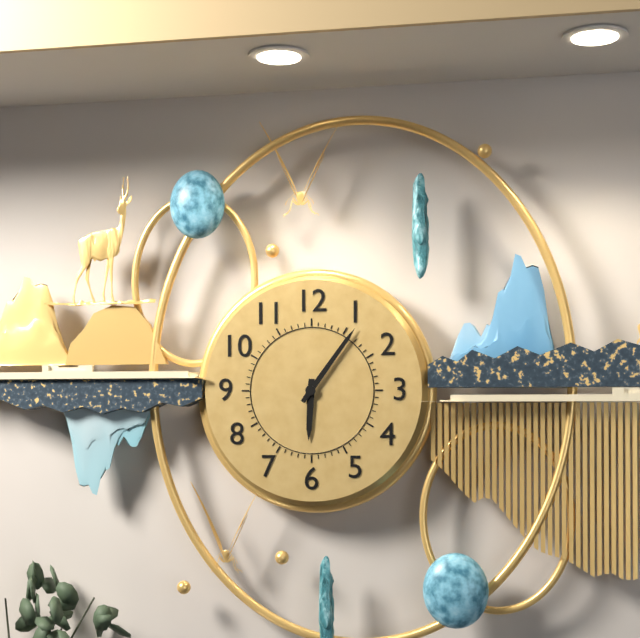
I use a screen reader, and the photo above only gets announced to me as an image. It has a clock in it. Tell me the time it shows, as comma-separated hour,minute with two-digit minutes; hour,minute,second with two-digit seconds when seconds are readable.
6,06
